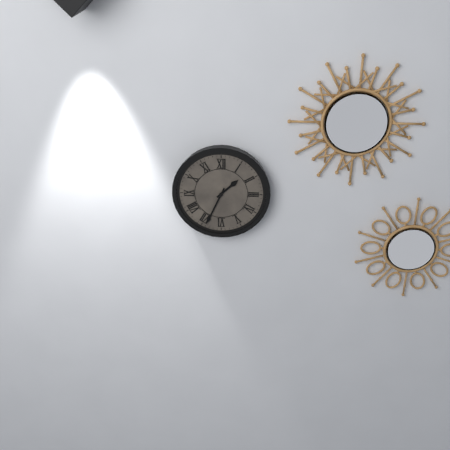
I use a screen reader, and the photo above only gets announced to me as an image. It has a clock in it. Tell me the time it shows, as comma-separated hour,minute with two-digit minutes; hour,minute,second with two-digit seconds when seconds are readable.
1,34
